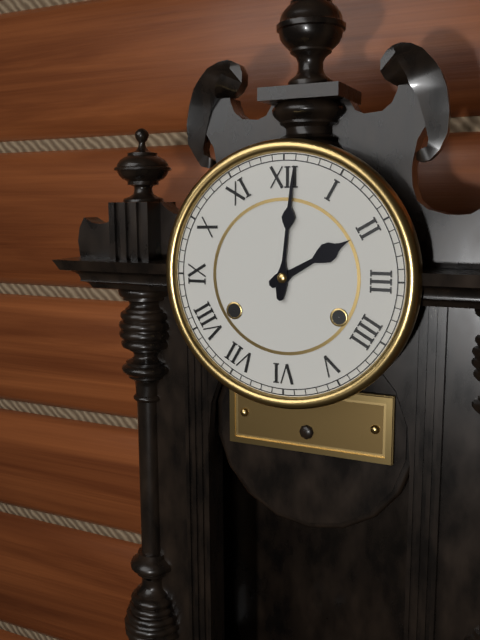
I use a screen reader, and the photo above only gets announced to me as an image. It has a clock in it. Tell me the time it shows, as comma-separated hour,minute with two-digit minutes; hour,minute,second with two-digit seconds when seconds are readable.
2,01
